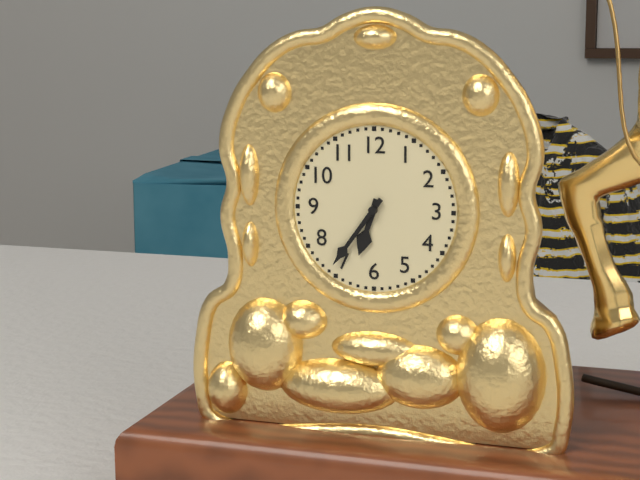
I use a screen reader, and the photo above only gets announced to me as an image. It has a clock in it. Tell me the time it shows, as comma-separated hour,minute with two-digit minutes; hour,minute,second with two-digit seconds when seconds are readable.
6,36
